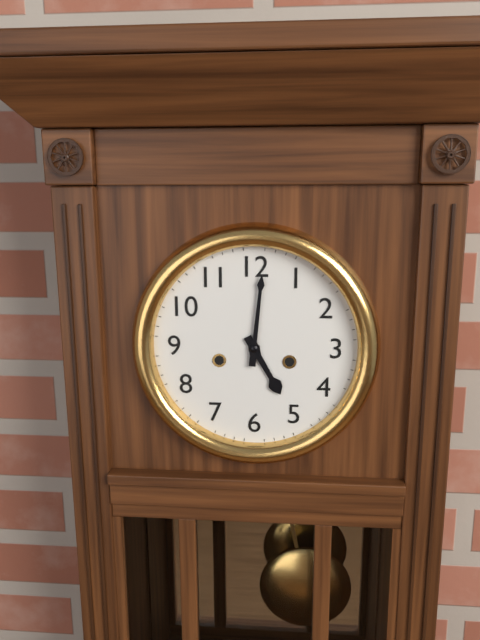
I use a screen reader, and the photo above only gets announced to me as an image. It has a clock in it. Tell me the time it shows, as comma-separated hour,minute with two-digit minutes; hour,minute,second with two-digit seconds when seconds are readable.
5,01
